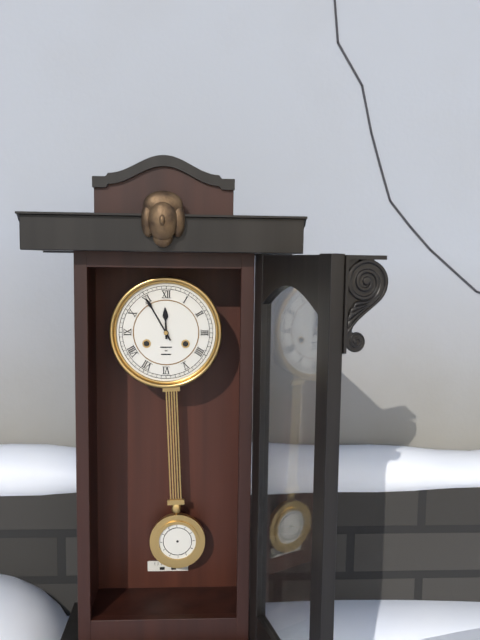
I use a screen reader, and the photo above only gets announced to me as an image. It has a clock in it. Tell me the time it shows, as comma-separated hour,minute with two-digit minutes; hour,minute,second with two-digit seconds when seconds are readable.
11,55
